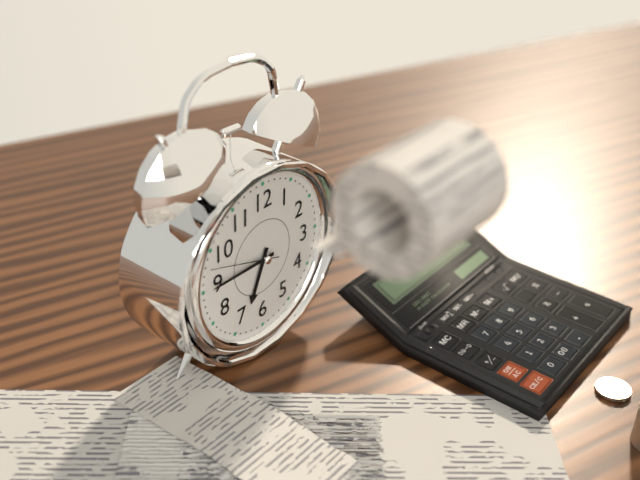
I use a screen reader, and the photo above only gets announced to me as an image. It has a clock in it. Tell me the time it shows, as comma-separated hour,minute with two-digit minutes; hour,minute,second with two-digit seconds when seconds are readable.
6,45,48
